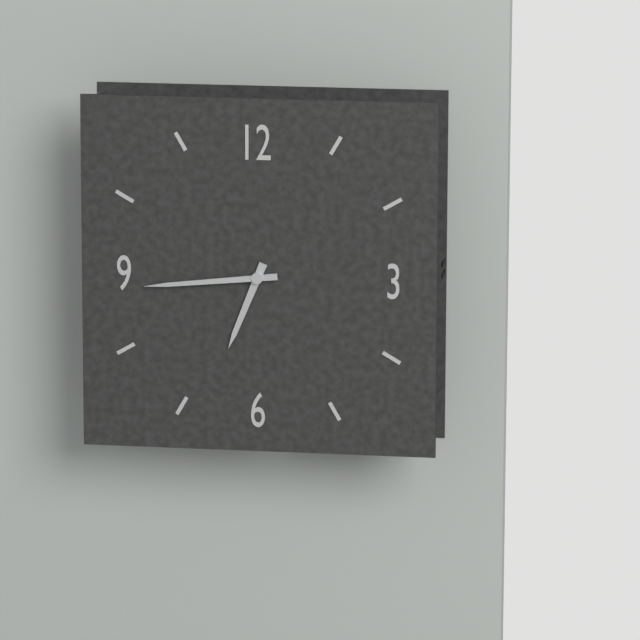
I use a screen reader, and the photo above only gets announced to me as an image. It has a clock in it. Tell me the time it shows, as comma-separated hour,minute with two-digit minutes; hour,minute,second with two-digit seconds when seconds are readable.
6,44
